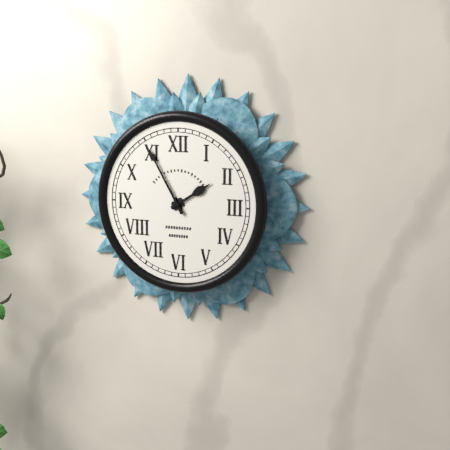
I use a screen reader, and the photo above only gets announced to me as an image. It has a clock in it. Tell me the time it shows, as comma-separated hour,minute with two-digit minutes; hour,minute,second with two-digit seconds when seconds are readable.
1,55
